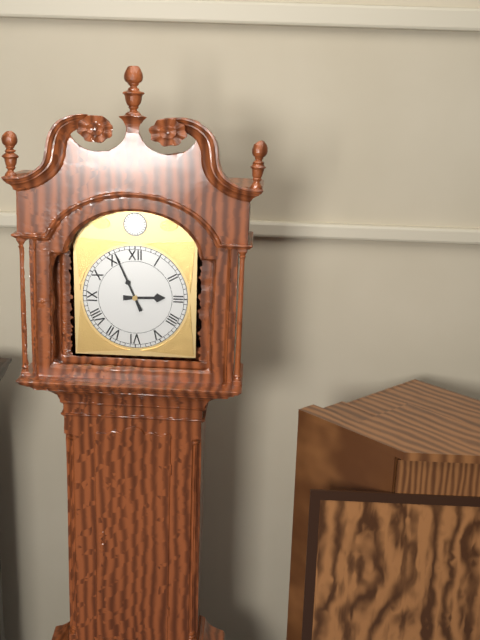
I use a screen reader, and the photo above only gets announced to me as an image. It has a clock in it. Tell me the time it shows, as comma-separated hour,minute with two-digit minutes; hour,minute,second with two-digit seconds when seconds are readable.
2,56
